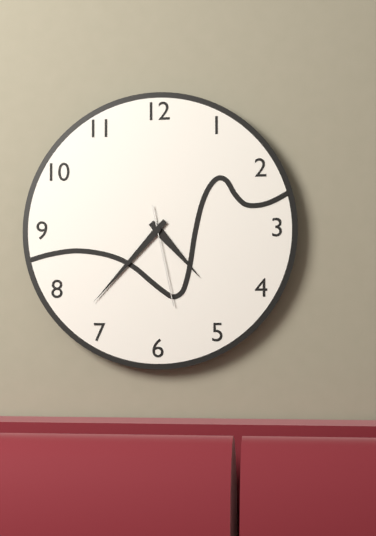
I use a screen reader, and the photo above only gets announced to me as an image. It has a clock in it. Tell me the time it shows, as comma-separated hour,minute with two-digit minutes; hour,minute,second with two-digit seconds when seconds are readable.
4,37,28
